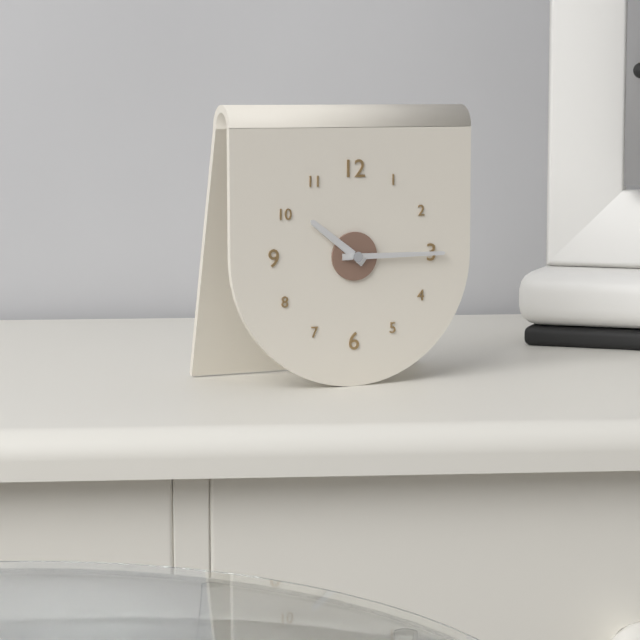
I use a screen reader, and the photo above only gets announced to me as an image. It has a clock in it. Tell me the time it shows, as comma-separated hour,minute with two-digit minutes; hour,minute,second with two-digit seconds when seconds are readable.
10,15
